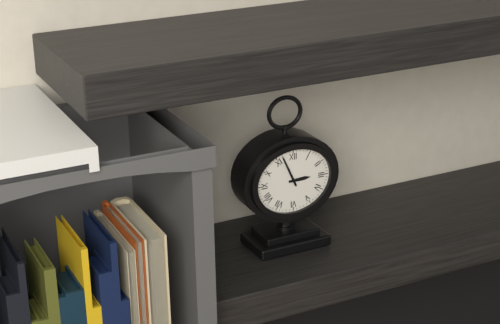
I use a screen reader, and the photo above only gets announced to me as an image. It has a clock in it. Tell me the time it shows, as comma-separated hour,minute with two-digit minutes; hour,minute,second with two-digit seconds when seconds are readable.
2,56
